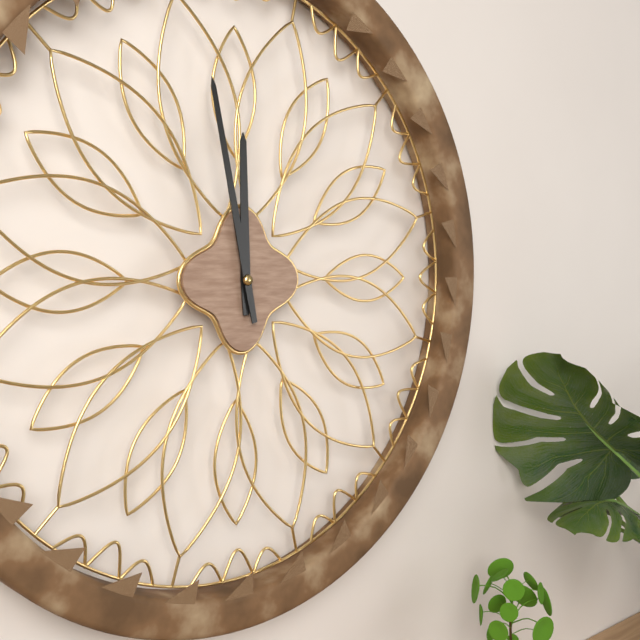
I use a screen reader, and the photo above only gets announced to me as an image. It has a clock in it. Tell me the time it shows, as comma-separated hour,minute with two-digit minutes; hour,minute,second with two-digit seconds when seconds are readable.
11,58
